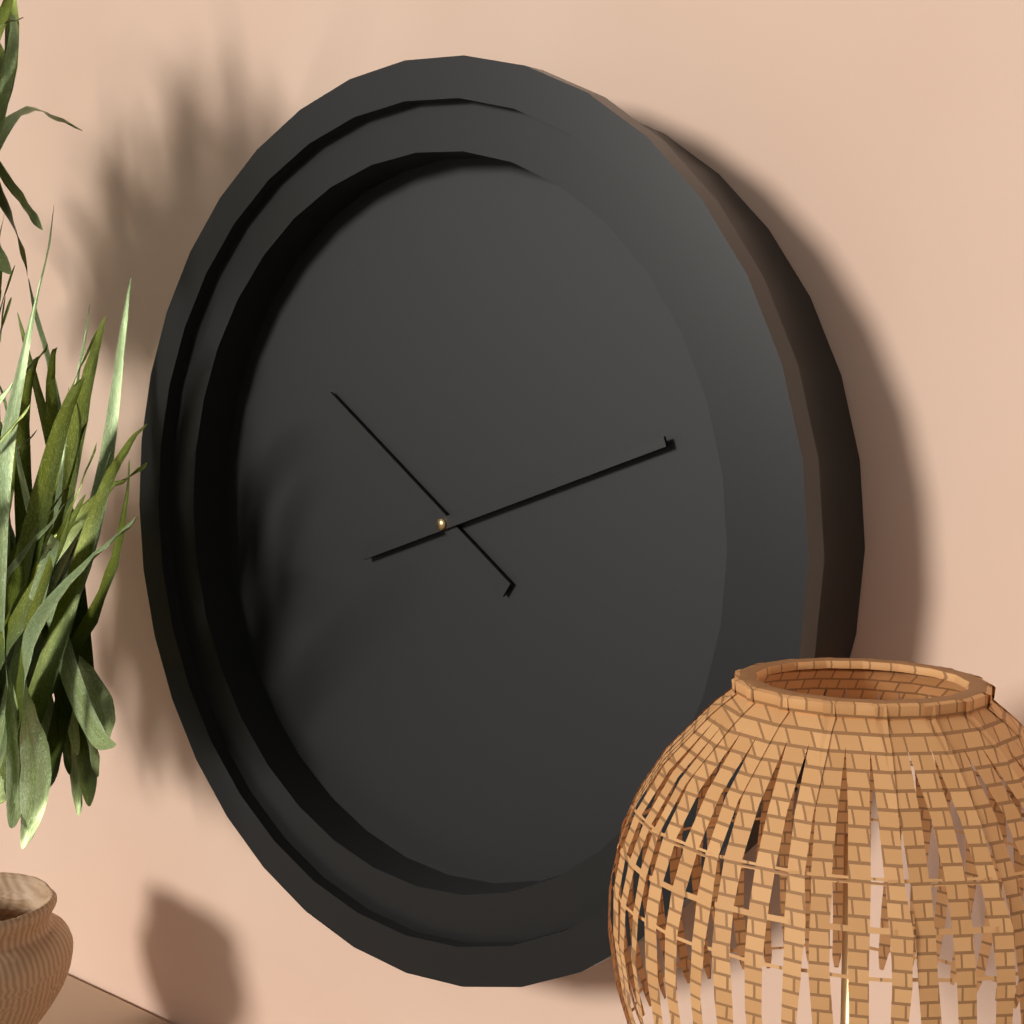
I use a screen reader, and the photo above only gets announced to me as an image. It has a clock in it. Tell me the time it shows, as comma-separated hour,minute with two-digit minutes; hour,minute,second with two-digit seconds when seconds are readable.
10,12
